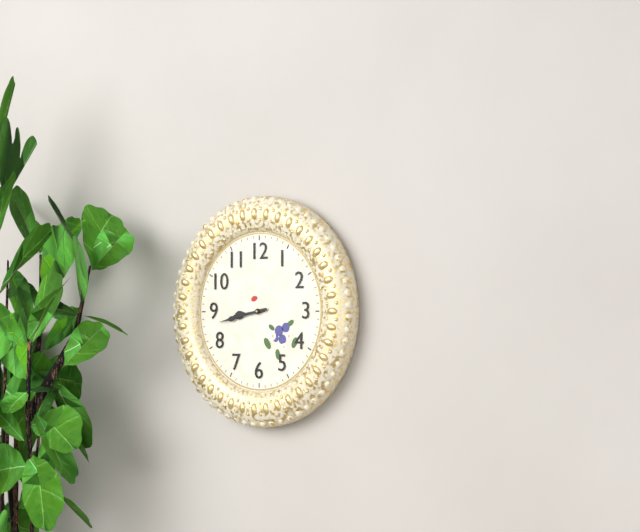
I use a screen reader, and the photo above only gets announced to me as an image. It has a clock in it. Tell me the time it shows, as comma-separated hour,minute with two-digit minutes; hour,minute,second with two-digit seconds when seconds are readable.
8,43
